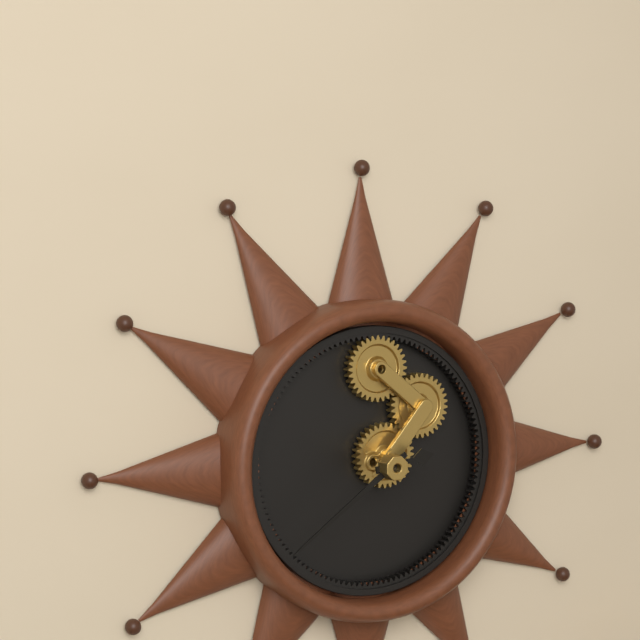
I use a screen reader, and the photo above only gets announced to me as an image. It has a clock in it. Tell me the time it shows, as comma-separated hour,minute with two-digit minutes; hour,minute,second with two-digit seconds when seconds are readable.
2,39
